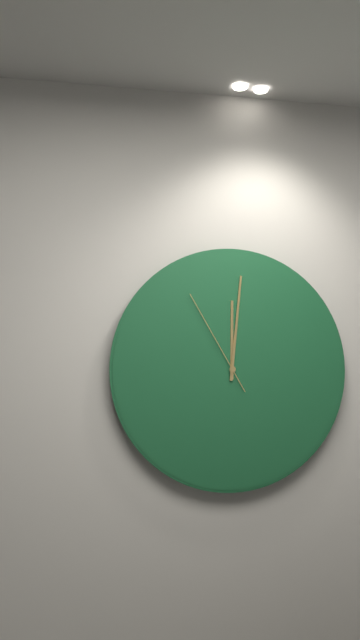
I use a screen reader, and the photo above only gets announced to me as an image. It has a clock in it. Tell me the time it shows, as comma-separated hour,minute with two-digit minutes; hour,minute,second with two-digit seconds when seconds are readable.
12,01,55
